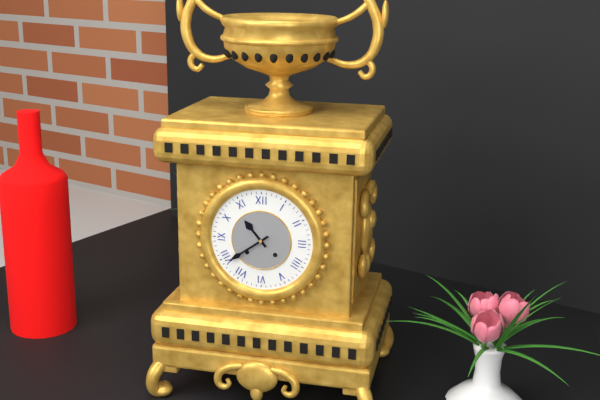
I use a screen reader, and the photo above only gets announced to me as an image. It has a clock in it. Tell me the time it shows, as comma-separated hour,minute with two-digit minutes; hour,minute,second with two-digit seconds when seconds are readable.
10,39
